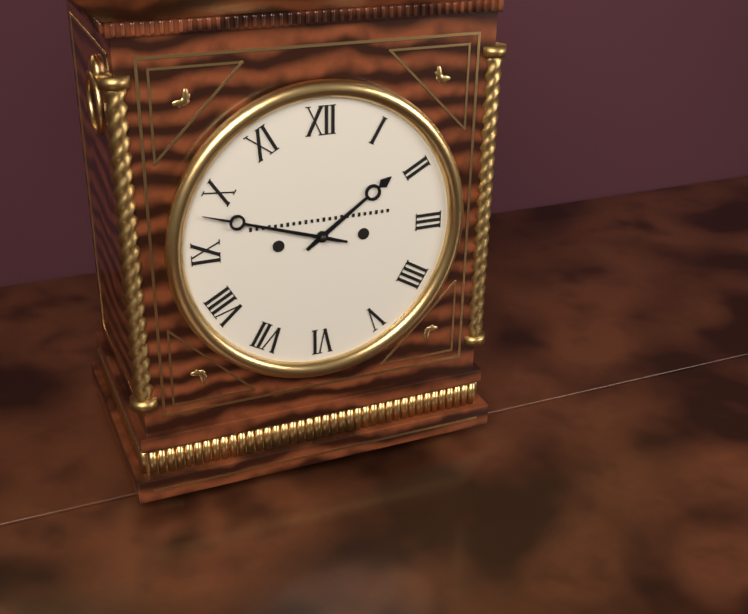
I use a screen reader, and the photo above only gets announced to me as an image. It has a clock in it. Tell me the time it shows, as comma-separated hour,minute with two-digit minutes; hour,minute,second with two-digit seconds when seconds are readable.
1,48
